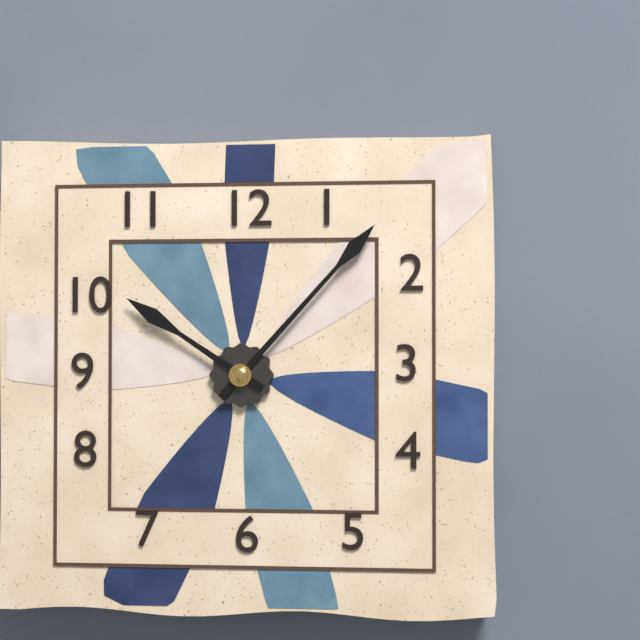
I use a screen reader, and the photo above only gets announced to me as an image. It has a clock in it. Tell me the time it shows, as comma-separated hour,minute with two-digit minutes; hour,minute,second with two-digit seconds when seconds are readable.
10,07
